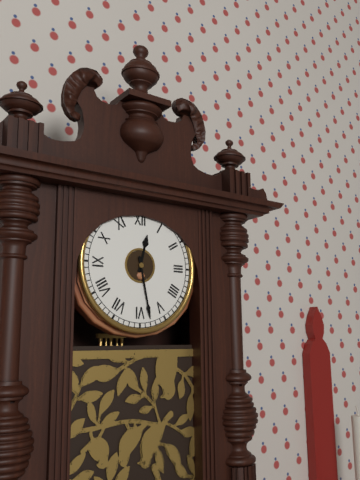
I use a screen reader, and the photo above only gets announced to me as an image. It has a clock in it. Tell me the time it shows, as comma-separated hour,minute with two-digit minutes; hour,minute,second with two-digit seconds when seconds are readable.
12,28
